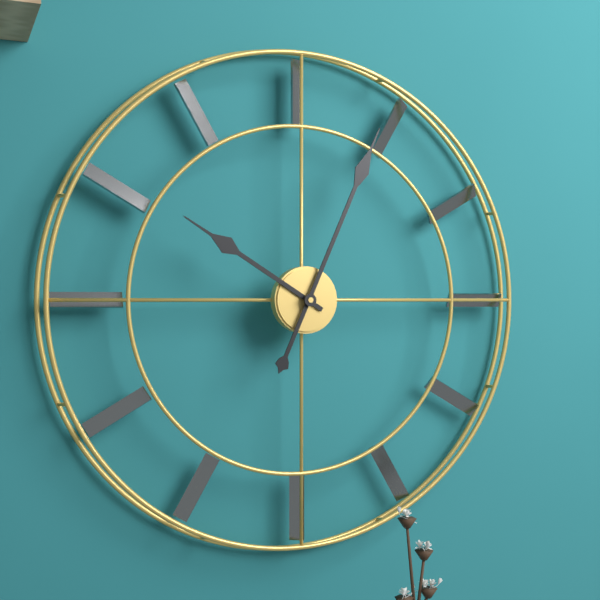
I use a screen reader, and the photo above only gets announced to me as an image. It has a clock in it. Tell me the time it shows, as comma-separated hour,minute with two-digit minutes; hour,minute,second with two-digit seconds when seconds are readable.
10,04
